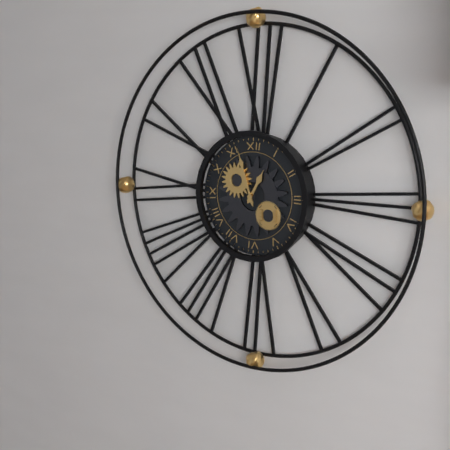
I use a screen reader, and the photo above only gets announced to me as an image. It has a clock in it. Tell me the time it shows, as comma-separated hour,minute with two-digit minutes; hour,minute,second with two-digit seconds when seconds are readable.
12,57
